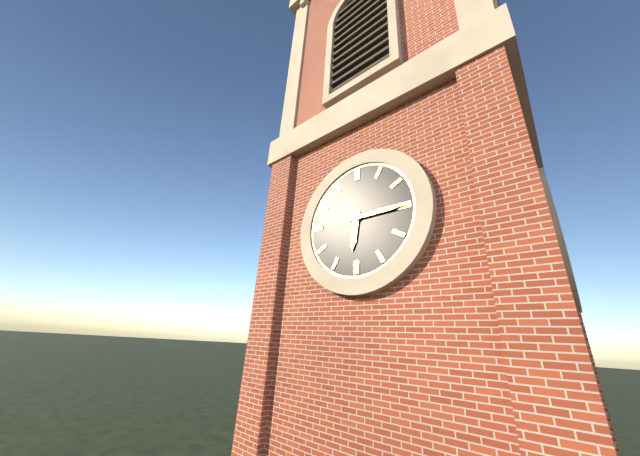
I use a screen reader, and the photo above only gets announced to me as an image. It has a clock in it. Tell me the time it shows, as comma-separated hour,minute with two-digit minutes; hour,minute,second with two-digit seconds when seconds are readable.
6,15
